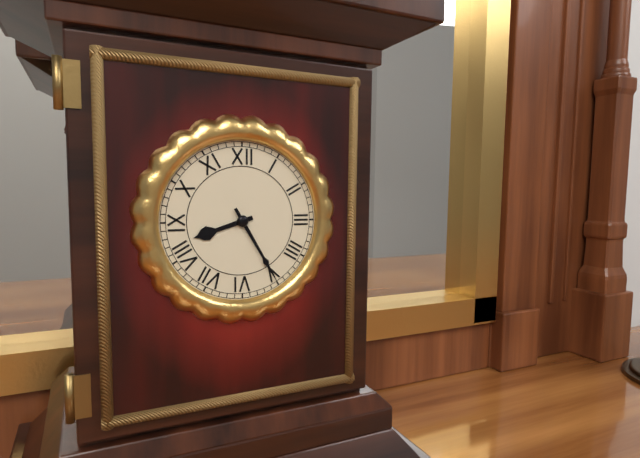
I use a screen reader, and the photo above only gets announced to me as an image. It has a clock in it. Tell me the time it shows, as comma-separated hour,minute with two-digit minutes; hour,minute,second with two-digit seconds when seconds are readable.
8,25
